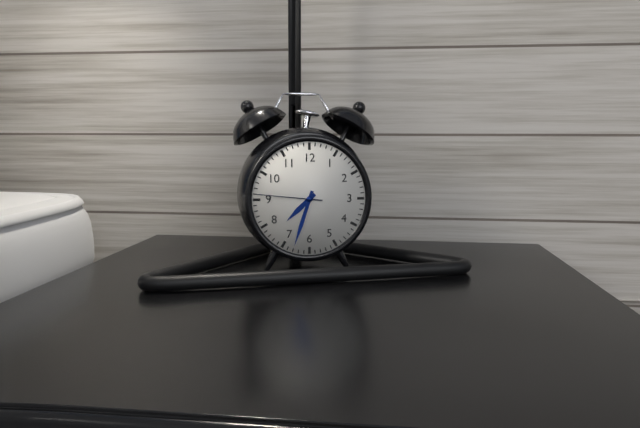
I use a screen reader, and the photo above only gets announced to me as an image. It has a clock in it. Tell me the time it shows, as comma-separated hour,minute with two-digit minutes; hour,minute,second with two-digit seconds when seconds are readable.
7,33,46
